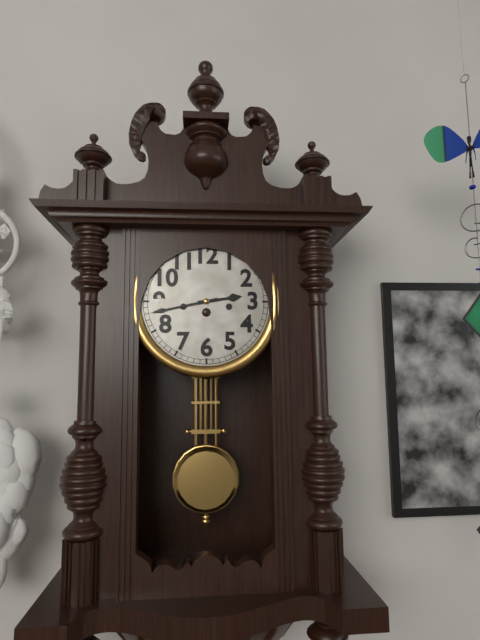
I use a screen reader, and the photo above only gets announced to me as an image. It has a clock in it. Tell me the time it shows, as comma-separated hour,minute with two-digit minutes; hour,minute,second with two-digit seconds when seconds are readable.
2,43
